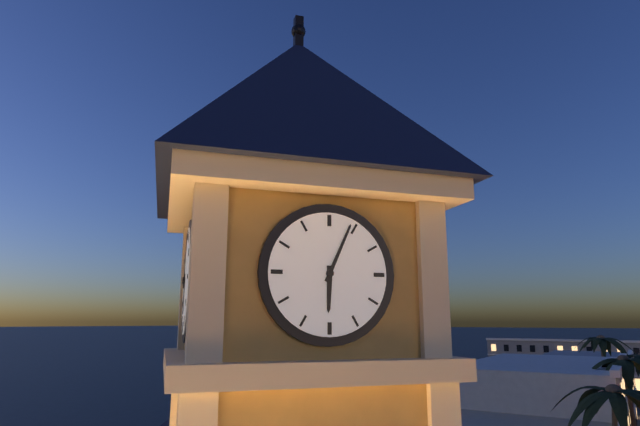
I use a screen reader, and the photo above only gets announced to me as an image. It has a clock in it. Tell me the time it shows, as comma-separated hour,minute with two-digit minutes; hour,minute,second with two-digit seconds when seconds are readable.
6,04
